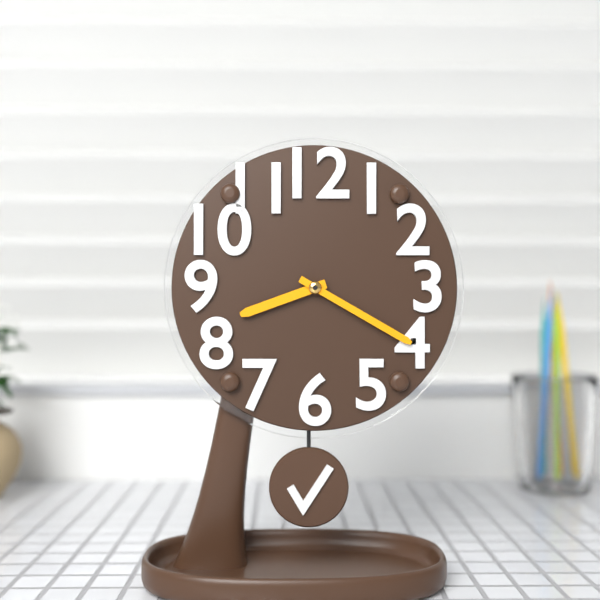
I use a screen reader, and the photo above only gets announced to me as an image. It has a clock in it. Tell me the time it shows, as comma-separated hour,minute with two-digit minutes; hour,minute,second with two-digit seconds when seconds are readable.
8,20
